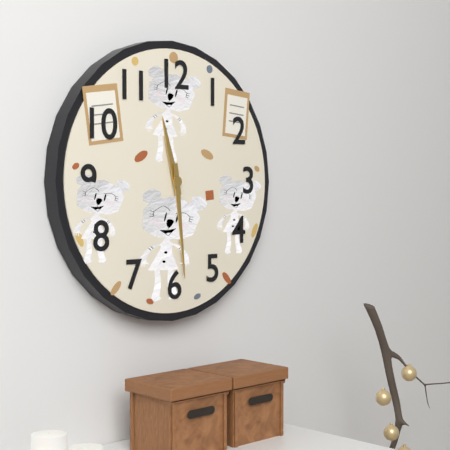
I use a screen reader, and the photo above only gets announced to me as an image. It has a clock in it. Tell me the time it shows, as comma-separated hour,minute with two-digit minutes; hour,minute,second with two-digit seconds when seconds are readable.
11,29
